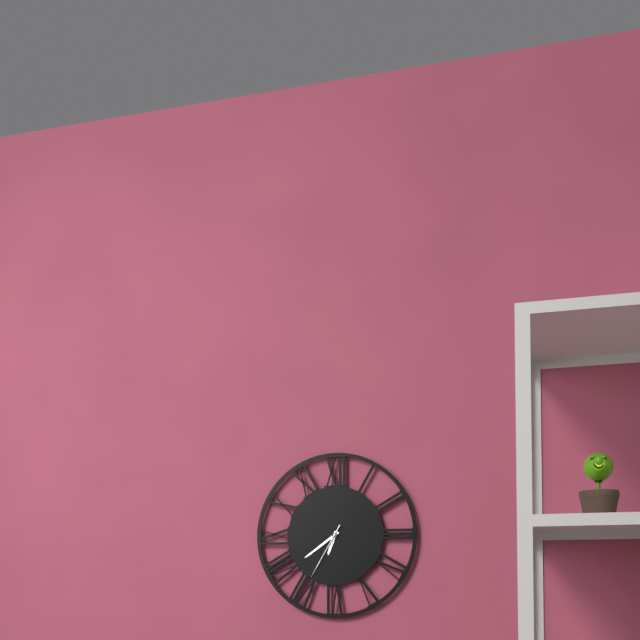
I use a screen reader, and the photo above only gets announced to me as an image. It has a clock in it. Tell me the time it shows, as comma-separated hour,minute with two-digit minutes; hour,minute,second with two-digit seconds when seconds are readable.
6,39,35
